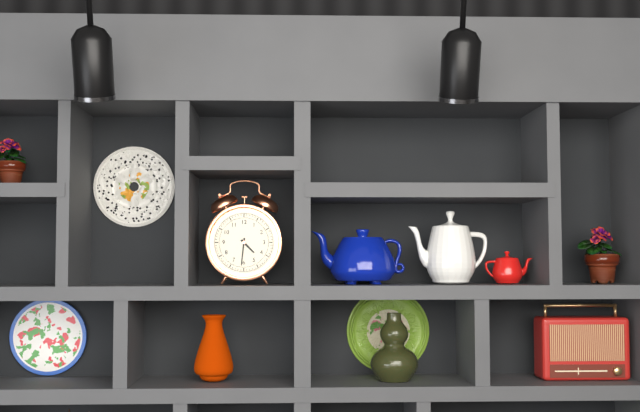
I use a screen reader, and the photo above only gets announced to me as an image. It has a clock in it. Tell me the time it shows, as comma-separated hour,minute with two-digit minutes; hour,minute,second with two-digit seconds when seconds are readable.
4,31
